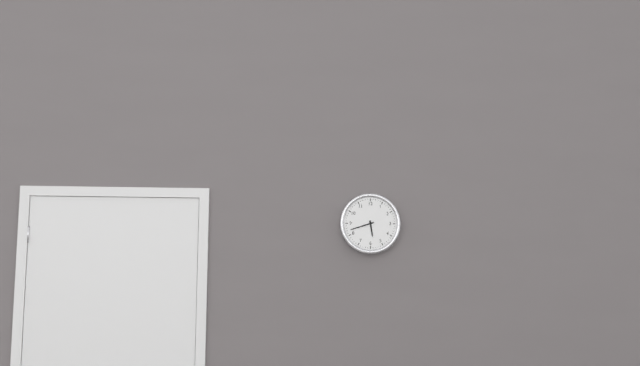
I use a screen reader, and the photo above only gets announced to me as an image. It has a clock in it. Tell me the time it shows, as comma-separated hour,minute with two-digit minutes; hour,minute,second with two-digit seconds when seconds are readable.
5,42
